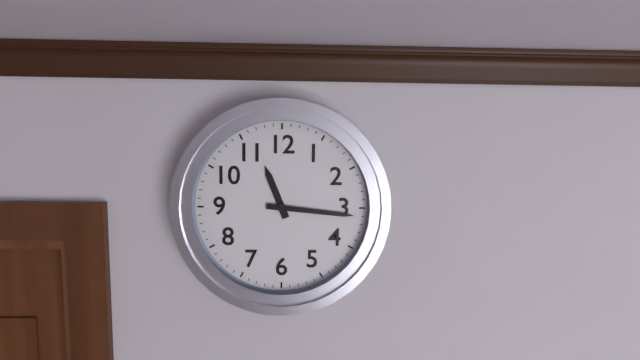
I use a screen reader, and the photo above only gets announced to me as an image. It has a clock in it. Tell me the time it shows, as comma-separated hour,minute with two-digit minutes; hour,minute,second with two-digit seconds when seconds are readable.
11,16
